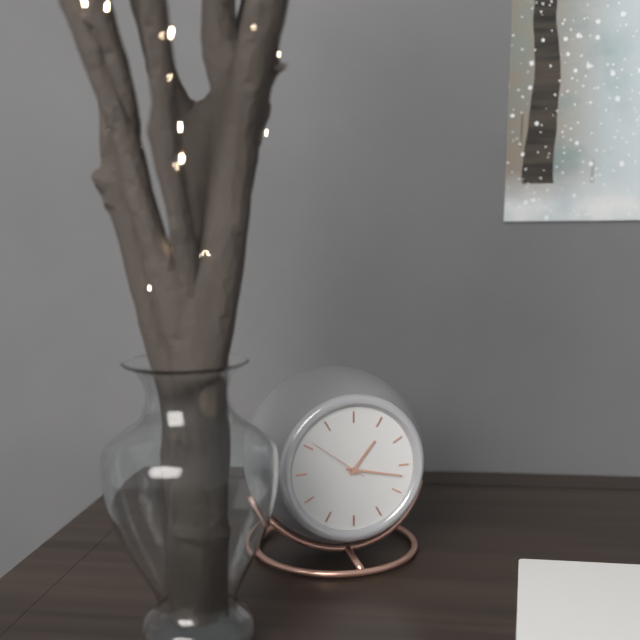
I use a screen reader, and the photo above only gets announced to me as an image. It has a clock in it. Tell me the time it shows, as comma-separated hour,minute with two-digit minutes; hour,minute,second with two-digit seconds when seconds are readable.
1,17,51
